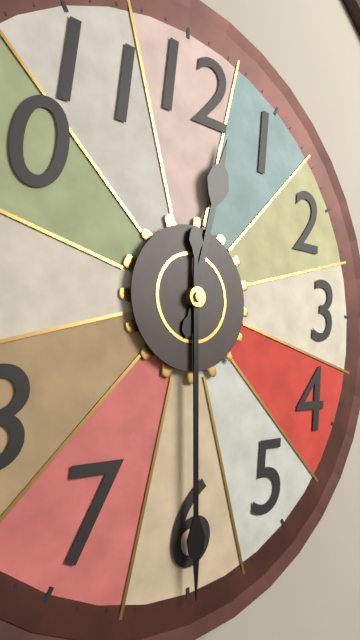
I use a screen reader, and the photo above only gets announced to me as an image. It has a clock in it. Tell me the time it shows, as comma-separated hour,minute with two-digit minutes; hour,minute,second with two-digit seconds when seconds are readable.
12,30
